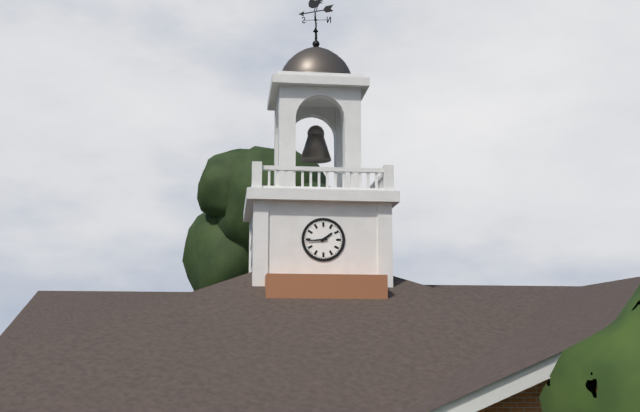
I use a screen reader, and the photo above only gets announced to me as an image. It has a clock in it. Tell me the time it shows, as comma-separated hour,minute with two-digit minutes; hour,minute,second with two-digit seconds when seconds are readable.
1,44
